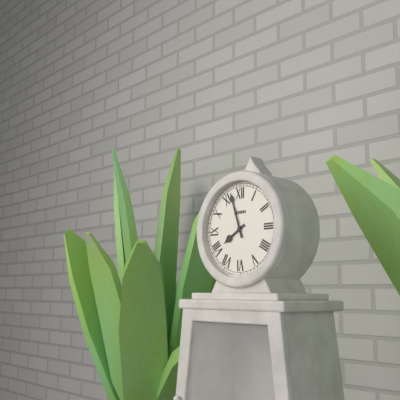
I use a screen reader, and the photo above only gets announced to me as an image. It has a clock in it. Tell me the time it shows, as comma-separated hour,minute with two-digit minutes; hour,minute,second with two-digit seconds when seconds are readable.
7,57
